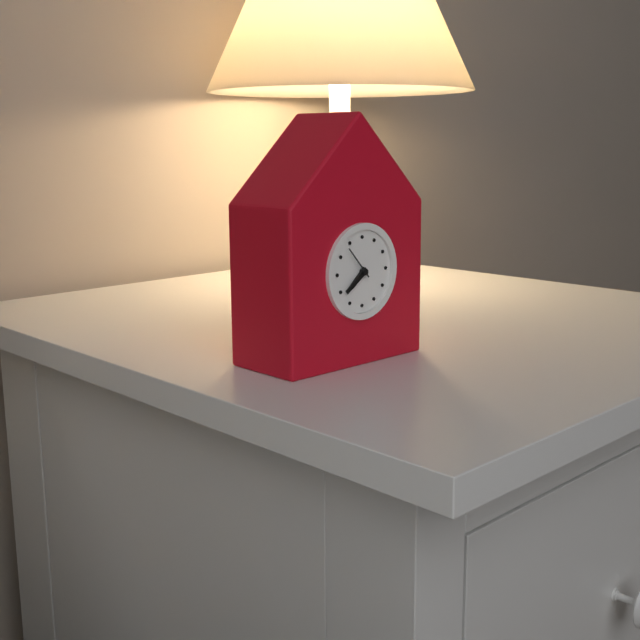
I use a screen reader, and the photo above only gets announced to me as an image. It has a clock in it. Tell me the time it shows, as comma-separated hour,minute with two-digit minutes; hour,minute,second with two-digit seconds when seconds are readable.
7,39
